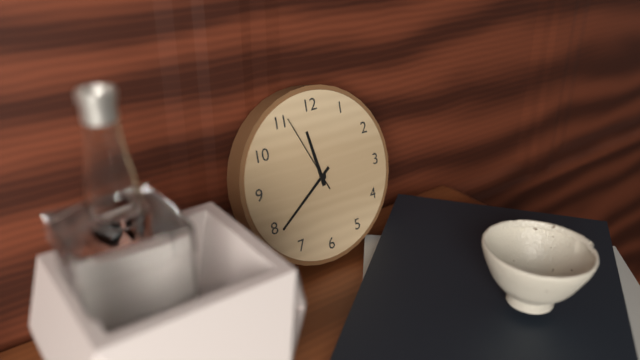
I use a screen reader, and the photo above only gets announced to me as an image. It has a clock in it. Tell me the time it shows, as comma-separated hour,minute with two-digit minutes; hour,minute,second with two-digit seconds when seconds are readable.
11,39,56
